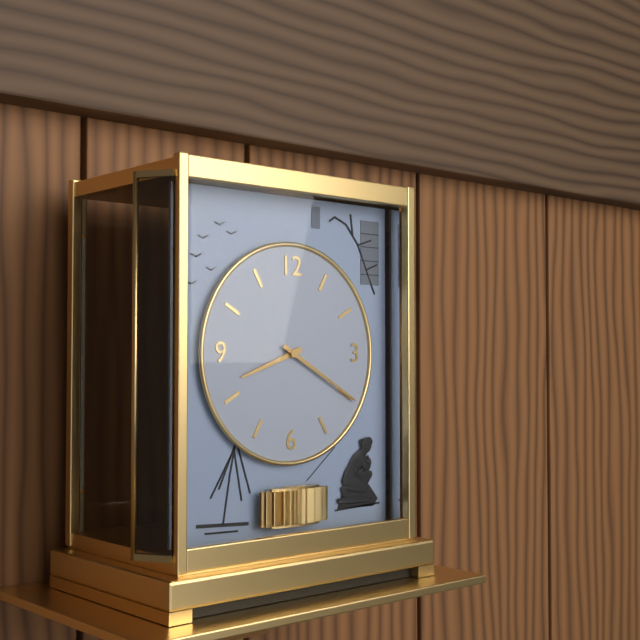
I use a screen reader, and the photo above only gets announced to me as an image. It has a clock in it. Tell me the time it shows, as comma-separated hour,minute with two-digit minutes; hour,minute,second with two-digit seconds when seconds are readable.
8,20
